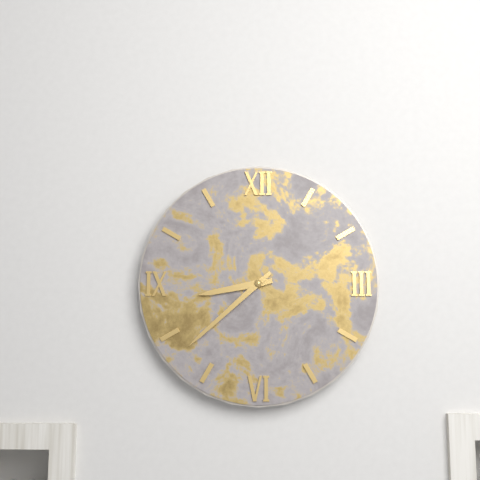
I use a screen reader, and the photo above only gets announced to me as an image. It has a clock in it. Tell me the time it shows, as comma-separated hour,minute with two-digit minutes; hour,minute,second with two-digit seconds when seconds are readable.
8,38
